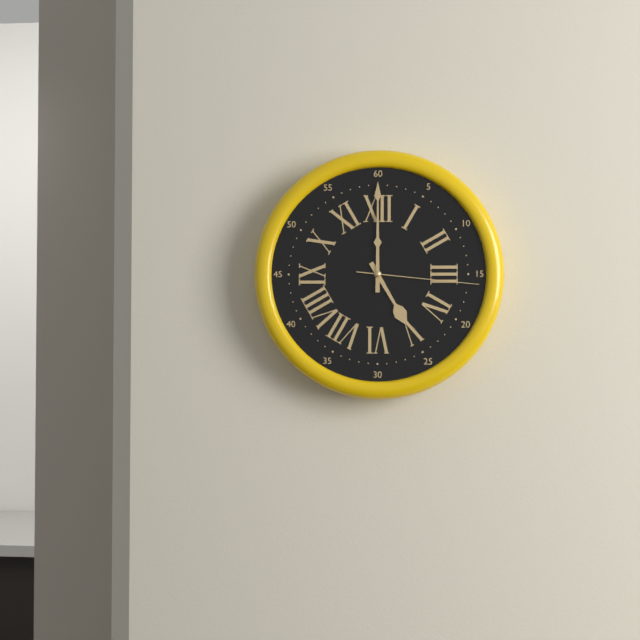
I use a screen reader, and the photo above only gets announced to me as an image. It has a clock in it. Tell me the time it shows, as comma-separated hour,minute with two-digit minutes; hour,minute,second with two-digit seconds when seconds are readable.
5,00,16
